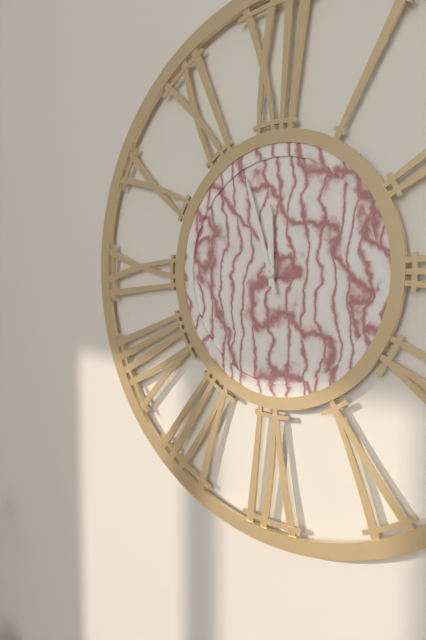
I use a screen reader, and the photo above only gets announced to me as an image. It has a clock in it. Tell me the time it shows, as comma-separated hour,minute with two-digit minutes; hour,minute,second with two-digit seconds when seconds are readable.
11,57
